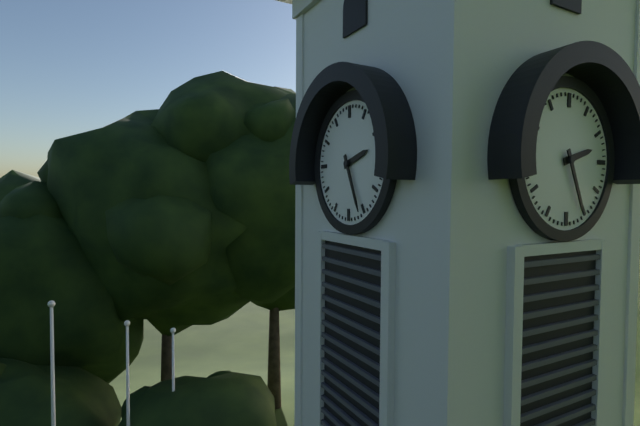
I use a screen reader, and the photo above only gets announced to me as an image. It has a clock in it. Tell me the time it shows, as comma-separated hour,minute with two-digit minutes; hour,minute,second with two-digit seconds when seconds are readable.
2,26
